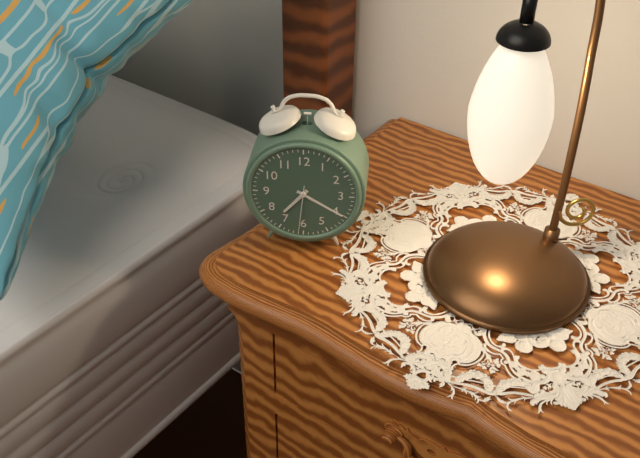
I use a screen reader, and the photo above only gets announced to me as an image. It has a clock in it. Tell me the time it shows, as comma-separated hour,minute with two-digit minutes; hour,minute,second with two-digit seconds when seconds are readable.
7,20
